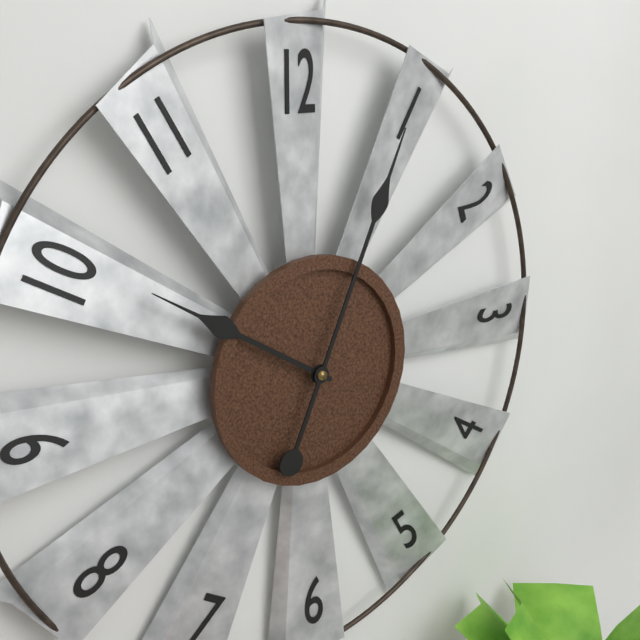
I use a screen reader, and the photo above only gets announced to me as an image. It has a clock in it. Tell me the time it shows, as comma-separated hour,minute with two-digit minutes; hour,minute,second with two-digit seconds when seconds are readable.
10,04
